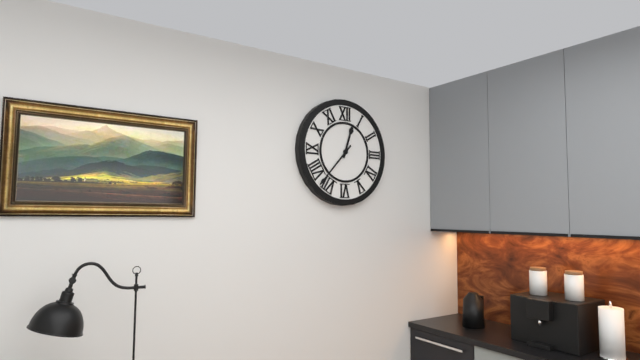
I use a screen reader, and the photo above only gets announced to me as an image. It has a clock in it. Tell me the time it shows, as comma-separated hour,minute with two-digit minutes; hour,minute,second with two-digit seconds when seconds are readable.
12,37
